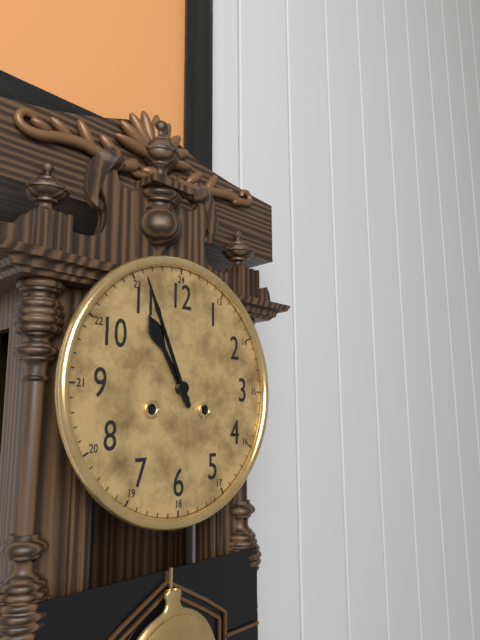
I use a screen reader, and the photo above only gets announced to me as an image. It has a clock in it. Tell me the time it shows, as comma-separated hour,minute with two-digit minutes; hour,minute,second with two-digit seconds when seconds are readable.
10,56
